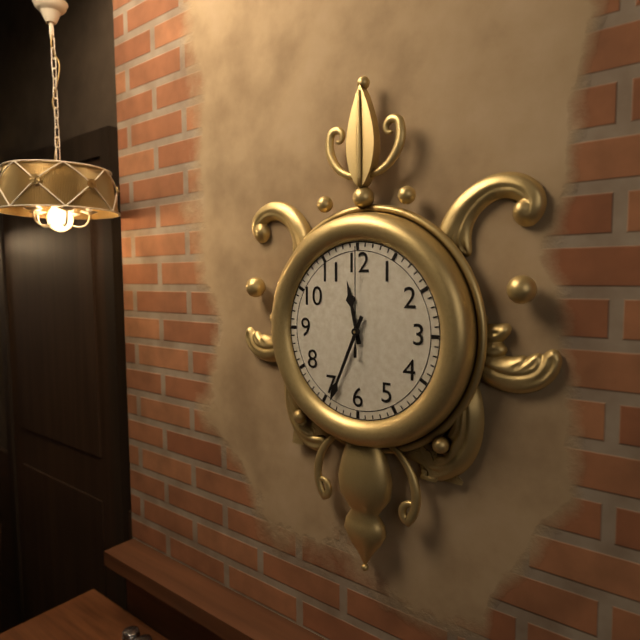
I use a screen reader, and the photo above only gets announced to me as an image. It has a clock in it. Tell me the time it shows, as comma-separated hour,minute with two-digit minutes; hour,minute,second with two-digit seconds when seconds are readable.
11,34,00
